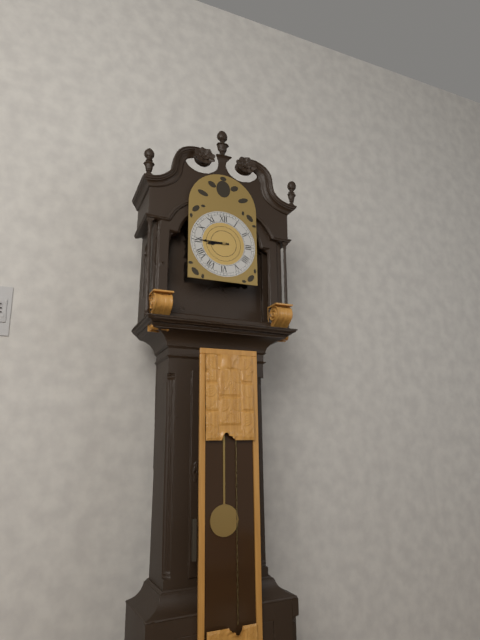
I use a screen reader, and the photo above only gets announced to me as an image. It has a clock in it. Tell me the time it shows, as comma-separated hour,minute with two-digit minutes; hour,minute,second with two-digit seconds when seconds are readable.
8,45
